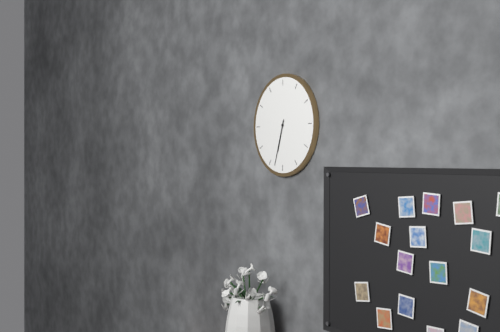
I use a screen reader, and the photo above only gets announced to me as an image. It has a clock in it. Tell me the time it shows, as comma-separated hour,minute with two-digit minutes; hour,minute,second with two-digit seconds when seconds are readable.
6,33
